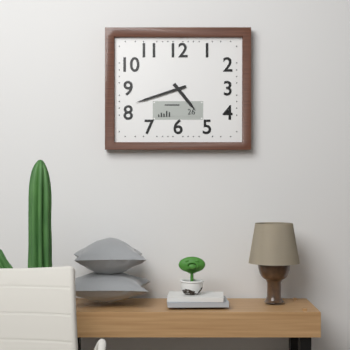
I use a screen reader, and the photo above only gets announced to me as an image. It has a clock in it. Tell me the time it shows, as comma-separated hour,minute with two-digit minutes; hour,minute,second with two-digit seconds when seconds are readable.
4,42
